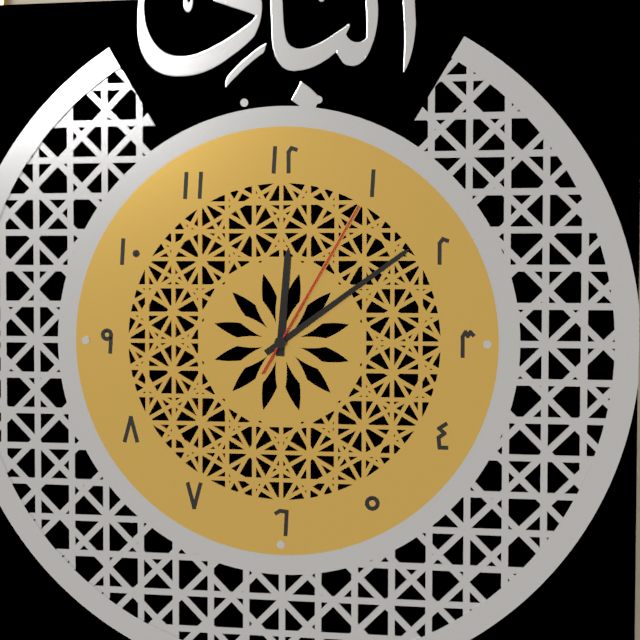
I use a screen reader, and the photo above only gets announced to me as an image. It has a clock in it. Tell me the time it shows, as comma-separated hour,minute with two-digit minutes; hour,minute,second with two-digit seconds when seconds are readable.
12,09,05
